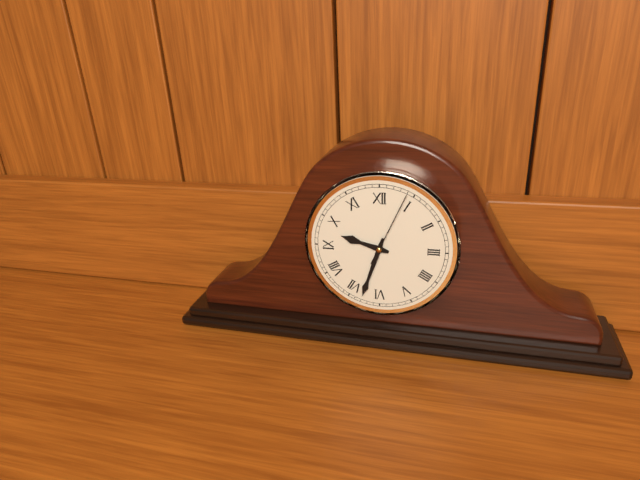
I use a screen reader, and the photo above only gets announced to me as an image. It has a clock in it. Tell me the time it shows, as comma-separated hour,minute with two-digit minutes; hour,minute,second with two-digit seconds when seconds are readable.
9,33,04
